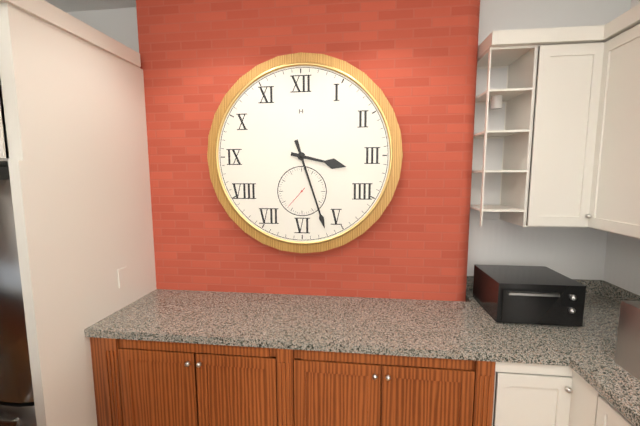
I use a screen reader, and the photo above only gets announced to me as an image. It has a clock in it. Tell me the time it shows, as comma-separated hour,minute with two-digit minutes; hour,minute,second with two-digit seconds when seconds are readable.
3,27
